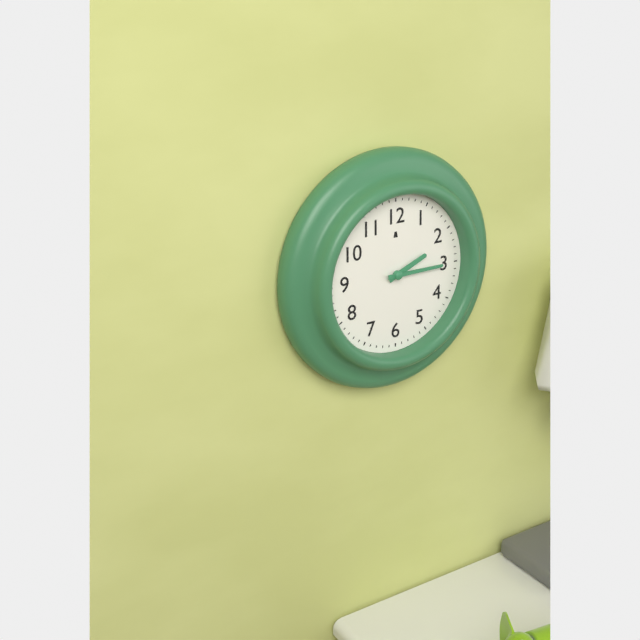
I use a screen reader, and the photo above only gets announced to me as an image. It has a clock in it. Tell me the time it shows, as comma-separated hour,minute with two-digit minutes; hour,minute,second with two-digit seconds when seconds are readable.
2,15
